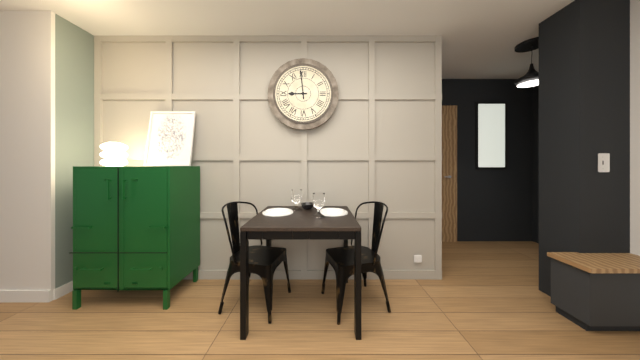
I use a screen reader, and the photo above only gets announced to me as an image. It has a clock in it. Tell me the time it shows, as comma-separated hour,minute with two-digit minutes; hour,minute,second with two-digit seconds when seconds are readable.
8,59
